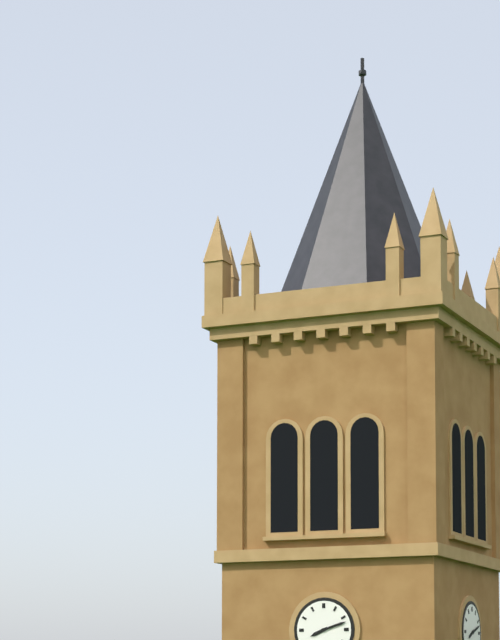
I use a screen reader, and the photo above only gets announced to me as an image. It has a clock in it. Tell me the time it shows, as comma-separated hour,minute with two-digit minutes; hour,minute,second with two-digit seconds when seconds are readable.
8,12
